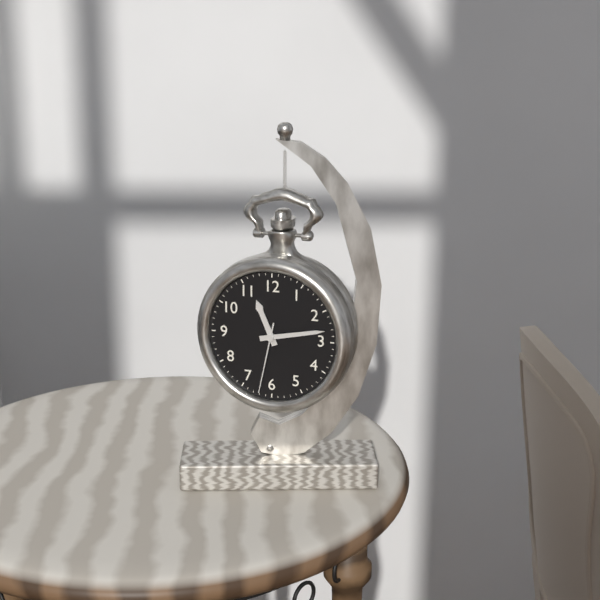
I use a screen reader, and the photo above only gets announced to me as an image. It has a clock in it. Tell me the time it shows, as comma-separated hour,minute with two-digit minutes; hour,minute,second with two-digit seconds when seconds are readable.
11,13,32
